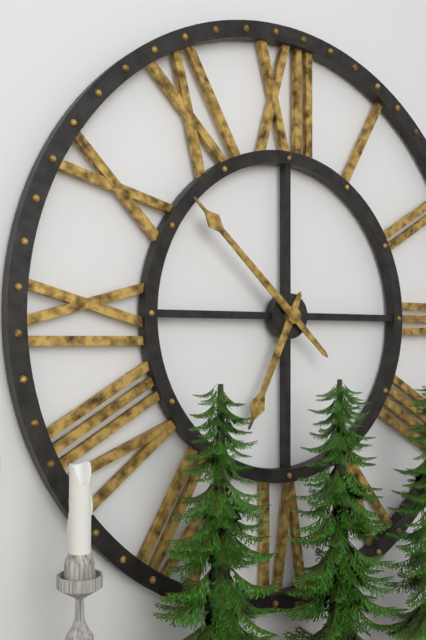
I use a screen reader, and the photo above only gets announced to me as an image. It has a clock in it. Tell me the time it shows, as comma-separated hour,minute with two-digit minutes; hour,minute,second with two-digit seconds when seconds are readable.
6,52
